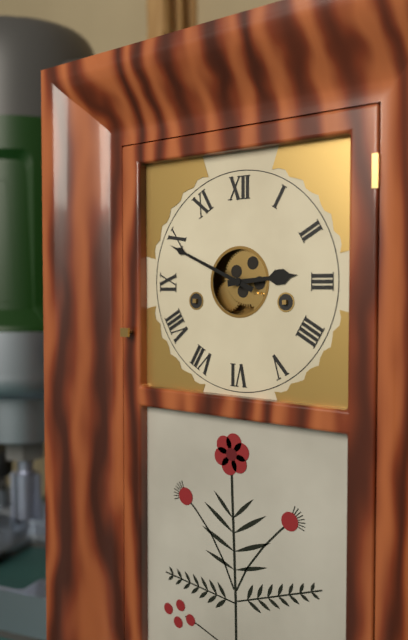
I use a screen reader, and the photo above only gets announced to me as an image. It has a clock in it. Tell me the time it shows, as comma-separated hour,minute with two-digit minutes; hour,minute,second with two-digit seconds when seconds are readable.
2,49
